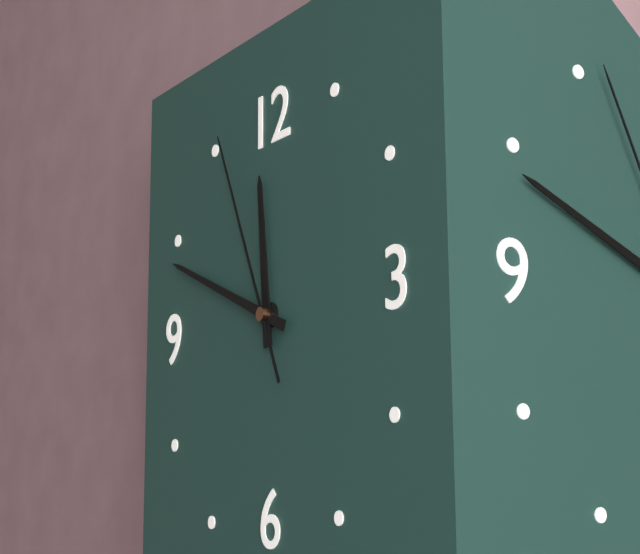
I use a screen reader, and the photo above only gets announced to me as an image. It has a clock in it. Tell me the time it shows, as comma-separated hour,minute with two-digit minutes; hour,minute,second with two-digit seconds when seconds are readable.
11,49,56
